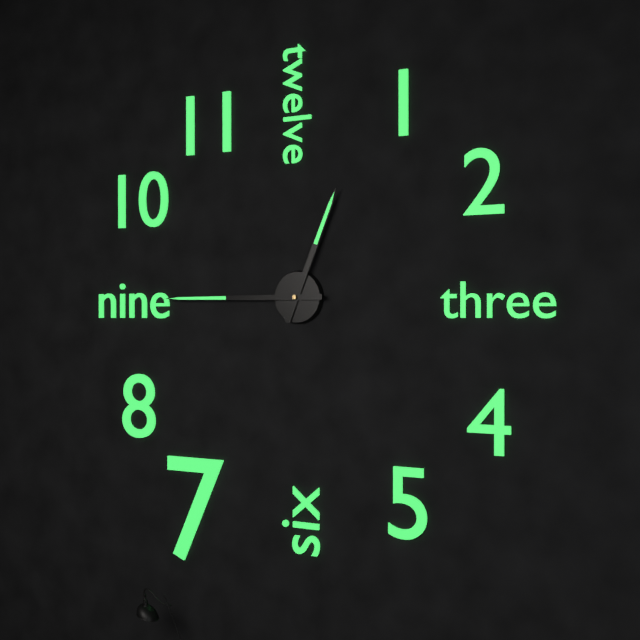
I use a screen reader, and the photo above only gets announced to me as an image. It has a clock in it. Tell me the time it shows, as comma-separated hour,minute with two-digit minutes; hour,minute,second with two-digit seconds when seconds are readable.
12,45
